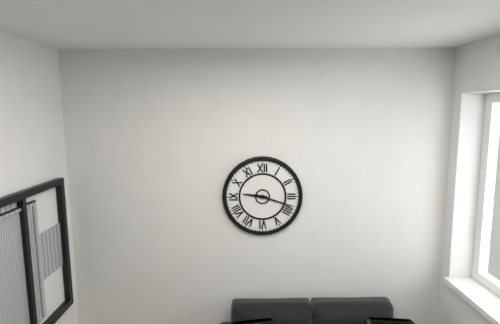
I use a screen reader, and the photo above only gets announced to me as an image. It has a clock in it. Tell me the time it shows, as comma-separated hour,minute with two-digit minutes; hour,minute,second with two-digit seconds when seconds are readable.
9,18
